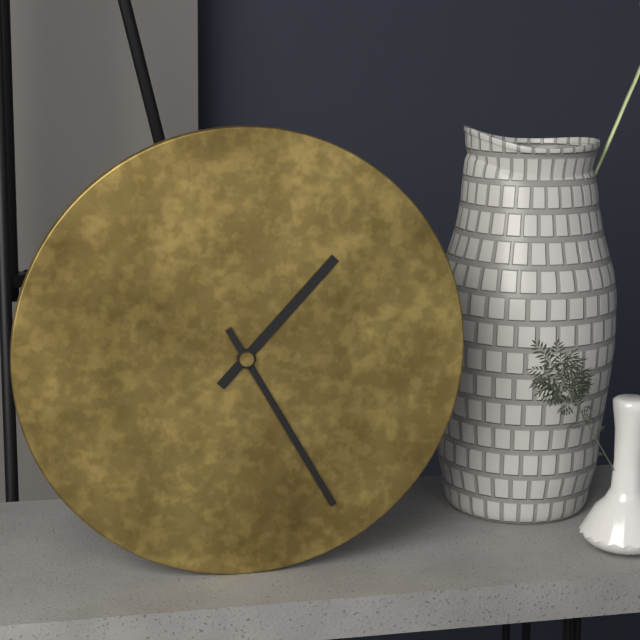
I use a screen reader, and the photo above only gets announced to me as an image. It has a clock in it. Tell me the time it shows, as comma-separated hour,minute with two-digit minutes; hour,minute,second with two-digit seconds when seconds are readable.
1,25
